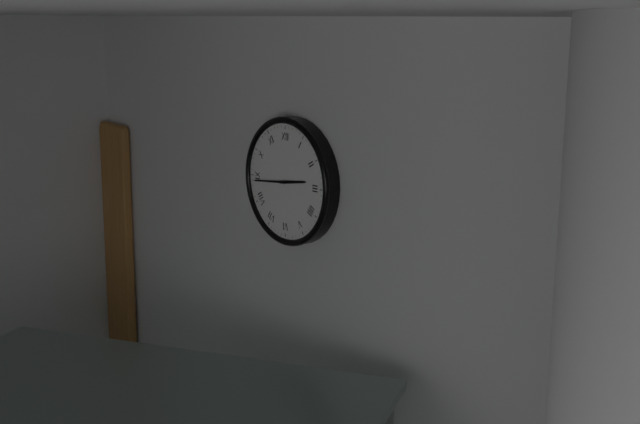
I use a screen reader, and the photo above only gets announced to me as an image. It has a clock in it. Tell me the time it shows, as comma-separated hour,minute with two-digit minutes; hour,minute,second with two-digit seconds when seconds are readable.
2,44
